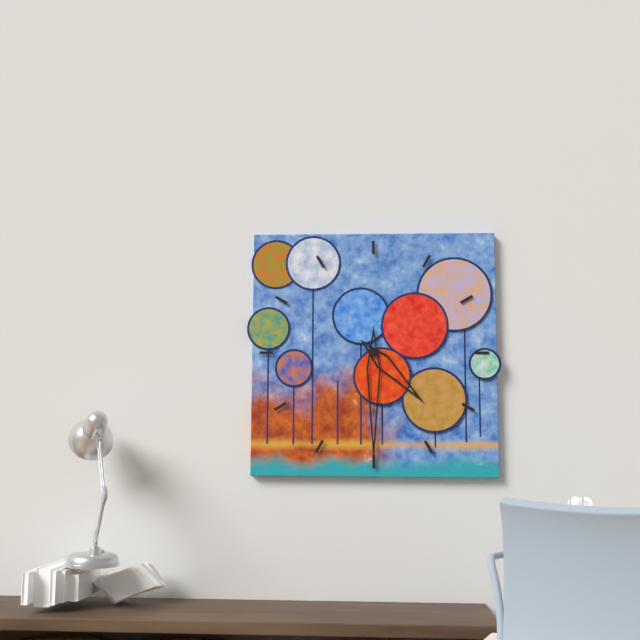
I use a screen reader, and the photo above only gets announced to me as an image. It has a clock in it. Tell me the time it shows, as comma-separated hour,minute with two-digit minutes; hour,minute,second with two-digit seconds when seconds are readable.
4,30
